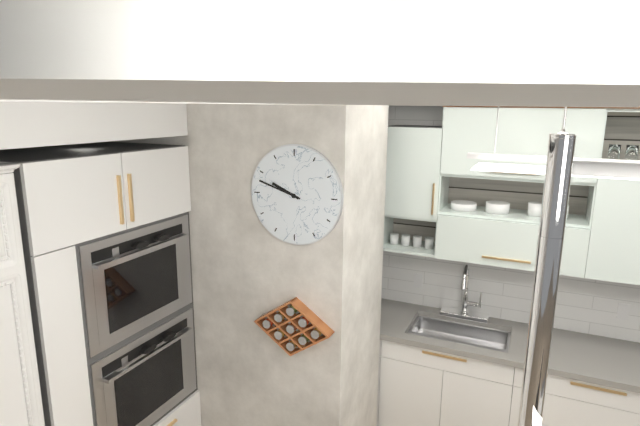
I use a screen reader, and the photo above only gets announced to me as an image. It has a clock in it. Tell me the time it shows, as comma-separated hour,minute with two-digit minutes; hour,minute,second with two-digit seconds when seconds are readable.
9,48
